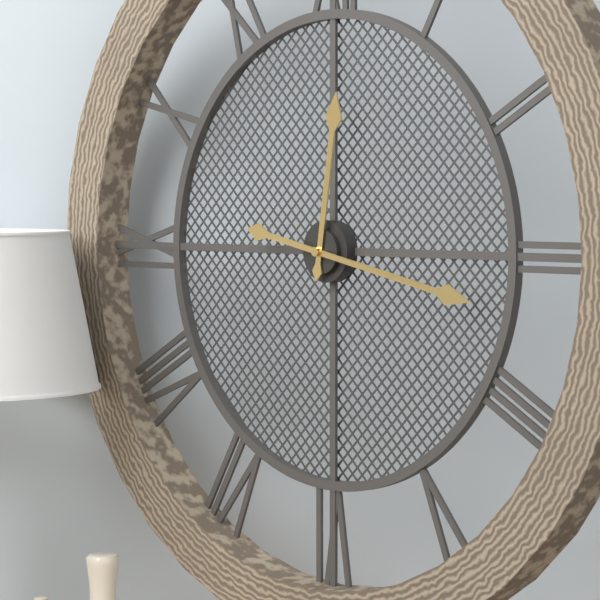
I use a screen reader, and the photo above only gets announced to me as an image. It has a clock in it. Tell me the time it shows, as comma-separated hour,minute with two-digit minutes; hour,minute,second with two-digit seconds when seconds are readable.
12,17
